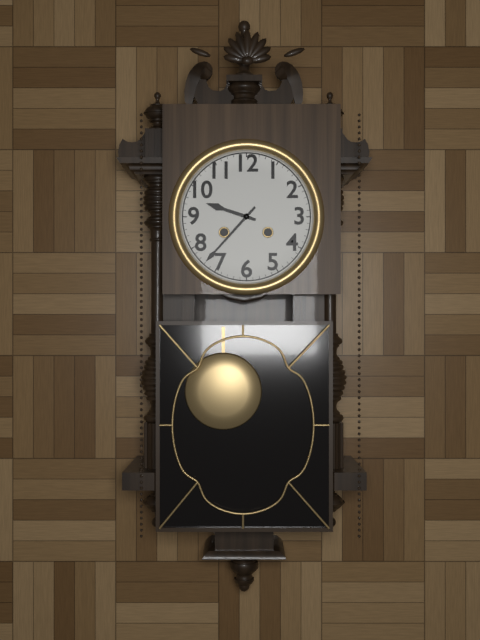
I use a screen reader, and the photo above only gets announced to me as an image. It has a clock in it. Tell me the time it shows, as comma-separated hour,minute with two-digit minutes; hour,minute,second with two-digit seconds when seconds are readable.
9,37
